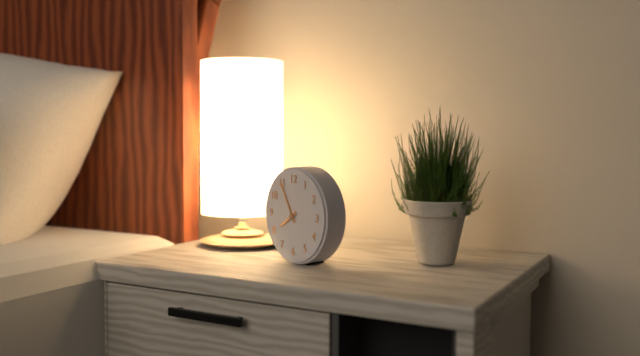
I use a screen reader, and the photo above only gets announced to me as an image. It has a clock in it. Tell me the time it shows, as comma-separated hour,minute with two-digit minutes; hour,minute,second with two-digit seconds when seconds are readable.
7,55
